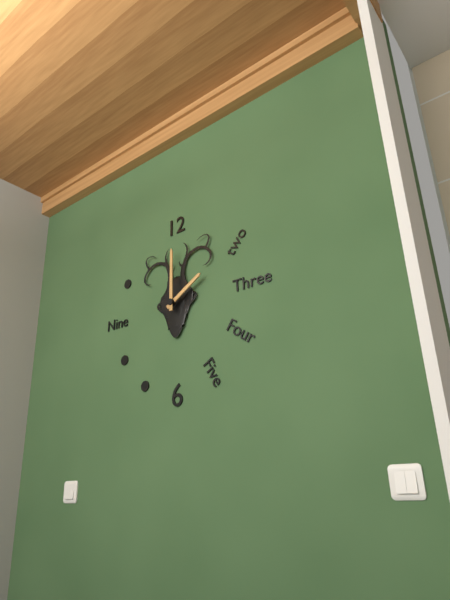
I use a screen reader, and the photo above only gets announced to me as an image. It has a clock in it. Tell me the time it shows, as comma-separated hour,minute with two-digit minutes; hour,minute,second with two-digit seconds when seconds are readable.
2,00
